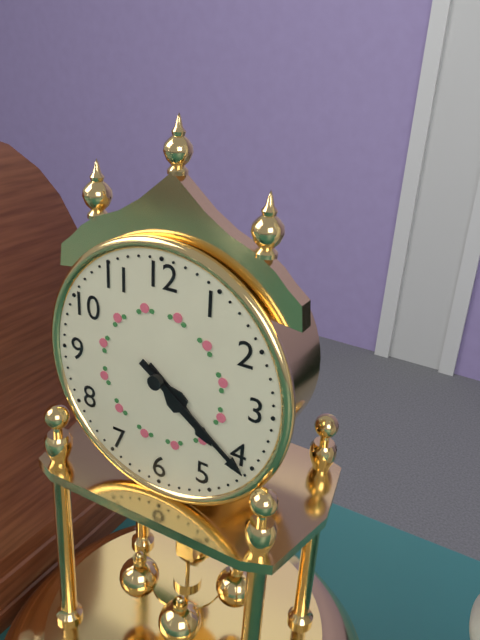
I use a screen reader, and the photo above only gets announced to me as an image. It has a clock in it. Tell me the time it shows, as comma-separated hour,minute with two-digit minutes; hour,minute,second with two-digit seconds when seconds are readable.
4,21
